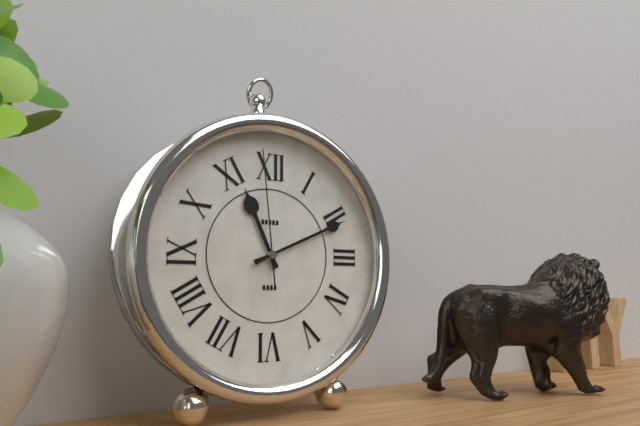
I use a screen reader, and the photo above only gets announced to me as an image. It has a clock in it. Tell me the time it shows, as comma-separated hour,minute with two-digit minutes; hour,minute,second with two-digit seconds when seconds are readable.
11,11,59
